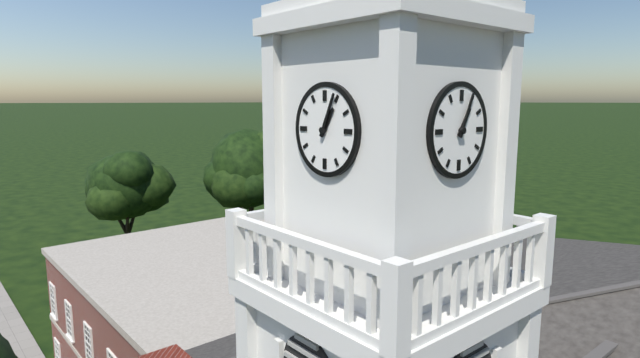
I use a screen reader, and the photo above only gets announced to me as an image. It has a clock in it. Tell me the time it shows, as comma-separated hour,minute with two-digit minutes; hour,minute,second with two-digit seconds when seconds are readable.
1,04
